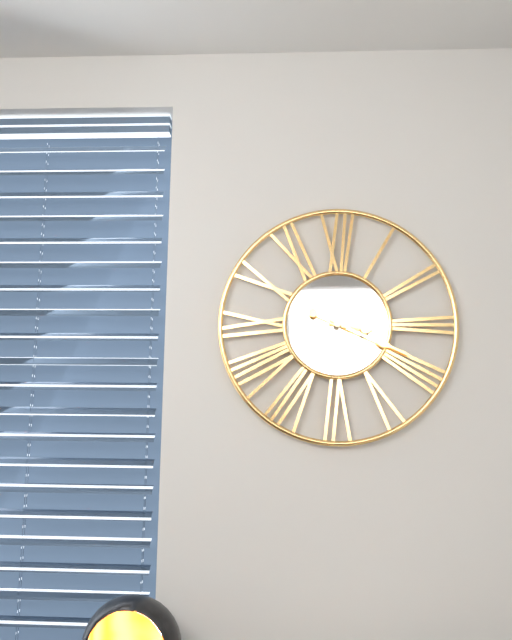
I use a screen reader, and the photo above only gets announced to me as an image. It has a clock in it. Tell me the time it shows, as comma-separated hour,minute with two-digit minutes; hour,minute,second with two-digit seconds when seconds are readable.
3,19
